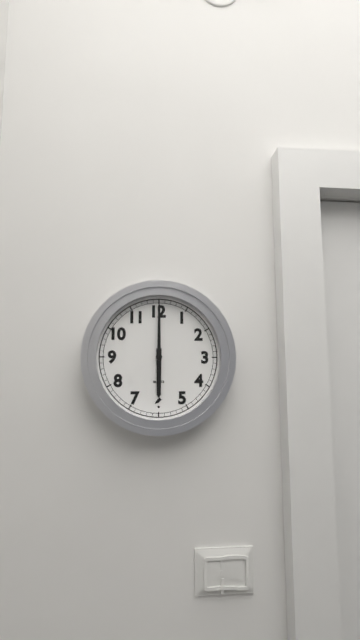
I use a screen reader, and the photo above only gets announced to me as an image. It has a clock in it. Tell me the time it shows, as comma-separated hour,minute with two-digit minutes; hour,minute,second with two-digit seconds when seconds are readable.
6,00
